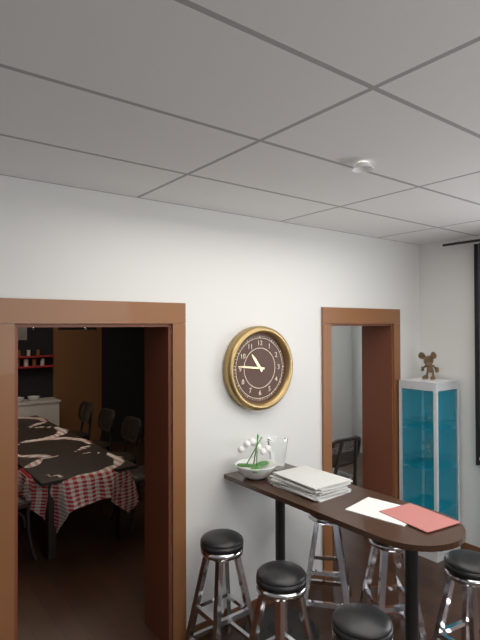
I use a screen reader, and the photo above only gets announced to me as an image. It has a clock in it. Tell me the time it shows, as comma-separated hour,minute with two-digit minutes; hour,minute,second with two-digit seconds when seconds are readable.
10,46
